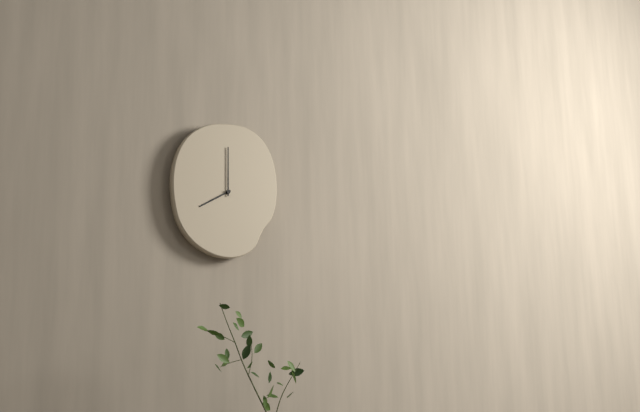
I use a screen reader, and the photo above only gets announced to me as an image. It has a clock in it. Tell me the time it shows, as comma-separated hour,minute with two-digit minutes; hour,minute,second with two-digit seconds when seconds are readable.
8,00
